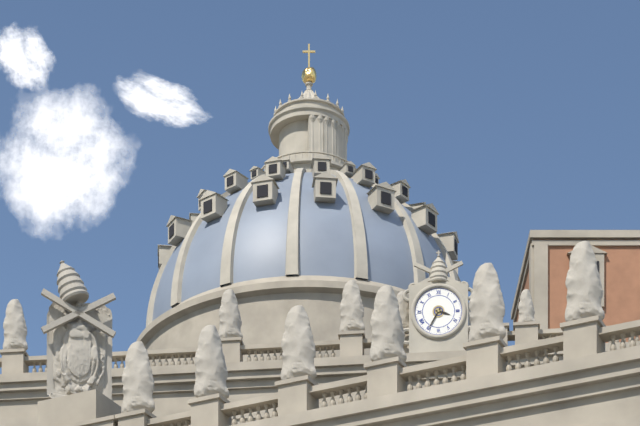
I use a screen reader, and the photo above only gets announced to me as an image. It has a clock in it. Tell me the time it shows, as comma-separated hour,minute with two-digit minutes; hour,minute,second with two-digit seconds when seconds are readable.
3,35
